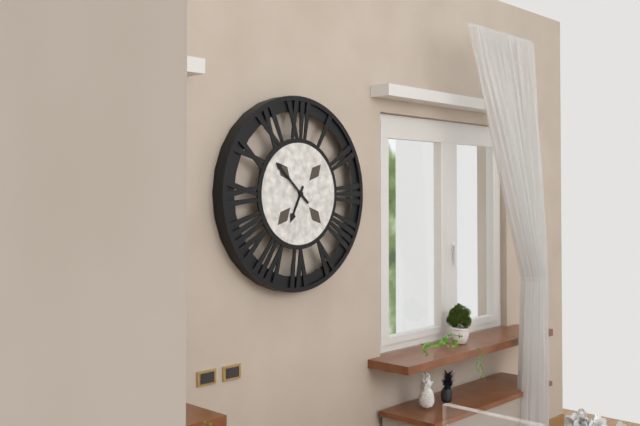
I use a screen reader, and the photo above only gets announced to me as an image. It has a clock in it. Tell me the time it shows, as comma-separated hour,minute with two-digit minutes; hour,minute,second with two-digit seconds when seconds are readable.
6,52
